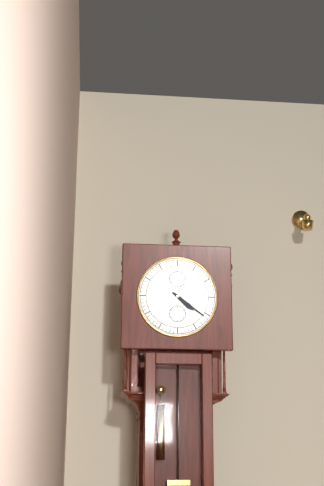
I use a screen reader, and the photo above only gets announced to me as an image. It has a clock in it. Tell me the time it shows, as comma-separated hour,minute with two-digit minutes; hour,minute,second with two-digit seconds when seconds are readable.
4,21
